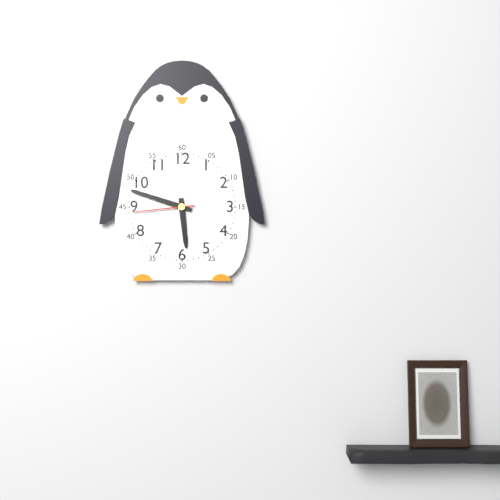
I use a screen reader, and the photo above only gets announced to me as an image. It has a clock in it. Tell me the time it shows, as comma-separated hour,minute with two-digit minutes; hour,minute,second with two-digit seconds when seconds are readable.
5,48,44
